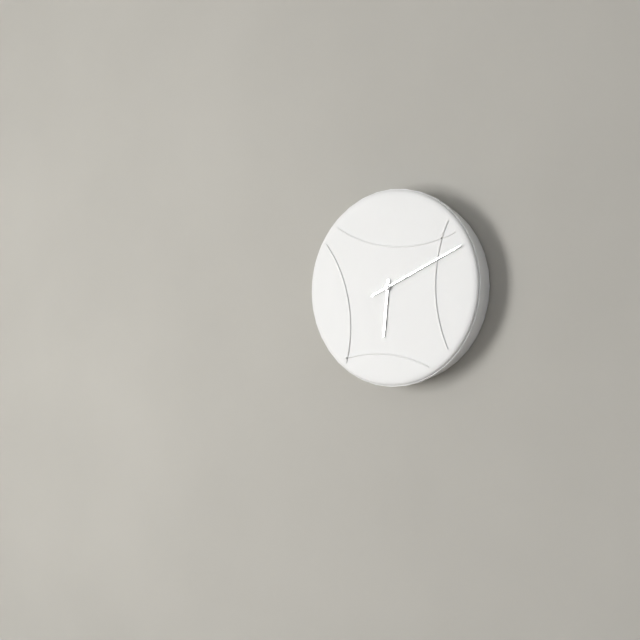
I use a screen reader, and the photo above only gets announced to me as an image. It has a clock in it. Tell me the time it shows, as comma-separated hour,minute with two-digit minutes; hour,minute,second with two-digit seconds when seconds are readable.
6,11
